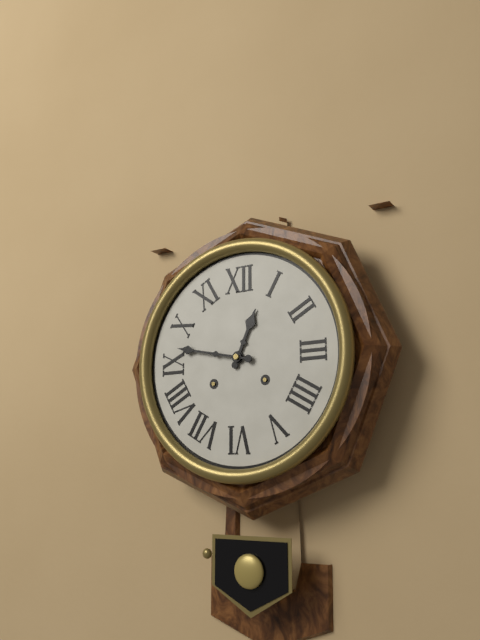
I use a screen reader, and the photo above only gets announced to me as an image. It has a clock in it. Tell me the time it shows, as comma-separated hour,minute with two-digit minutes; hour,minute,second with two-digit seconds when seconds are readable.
12,47
